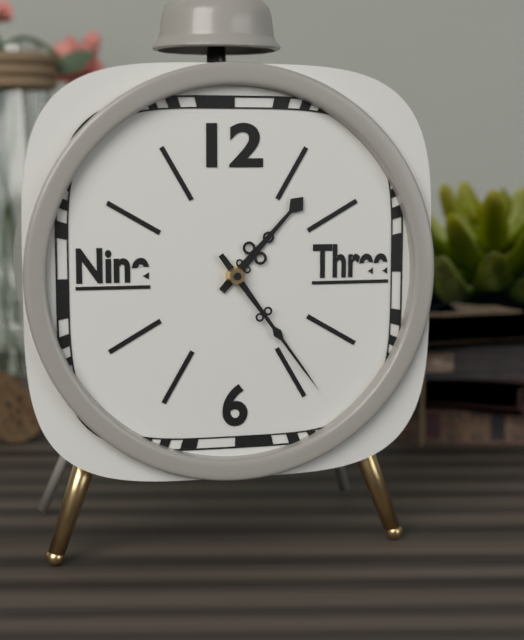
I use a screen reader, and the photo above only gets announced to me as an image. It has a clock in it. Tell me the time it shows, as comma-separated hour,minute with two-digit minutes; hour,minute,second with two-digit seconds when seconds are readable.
1,24
